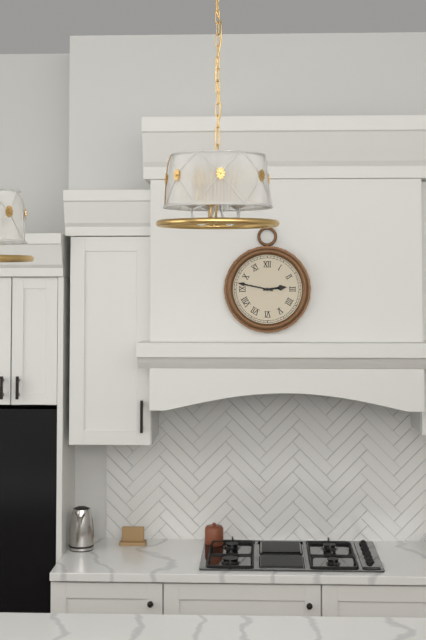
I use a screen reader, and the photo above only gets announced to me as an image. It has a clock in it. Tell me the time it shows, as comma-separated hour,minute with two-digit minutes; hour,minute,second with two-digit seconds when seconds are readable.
2,47
